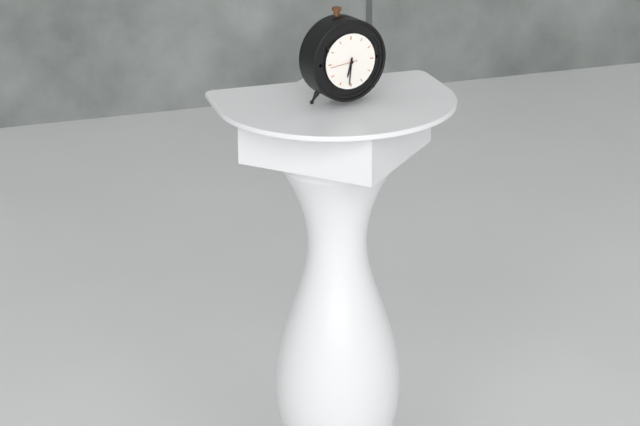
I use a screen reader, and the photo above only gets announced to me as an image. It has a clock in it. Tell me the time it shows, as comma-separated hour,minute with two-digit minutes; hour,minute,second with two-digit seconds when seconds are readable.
6,31
